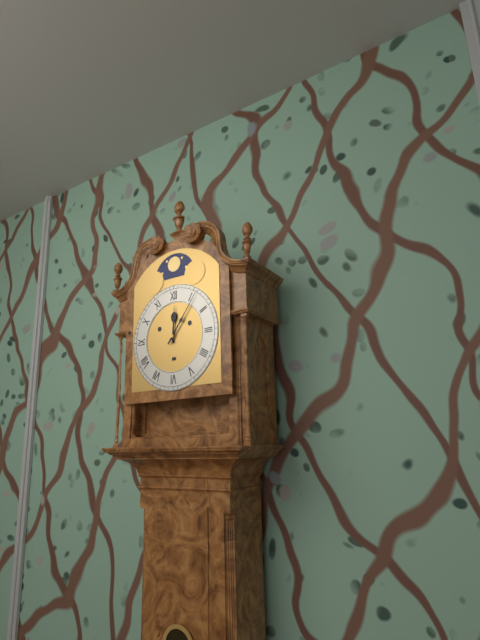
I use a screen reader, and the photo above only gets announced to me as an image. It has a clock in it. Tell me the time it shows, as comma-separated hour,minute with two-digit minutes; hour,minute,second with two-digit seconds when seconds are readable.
12,06
